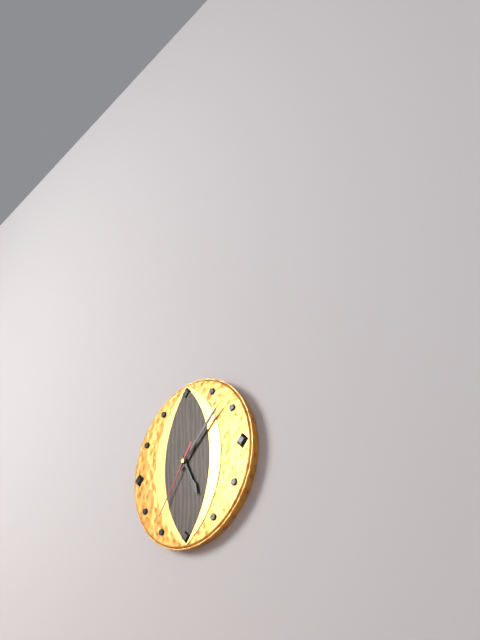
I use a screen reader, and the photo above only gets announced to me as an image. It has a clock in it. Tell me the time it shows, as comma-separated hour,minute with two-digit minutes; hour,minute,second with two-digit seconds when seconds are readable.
5,08,36
